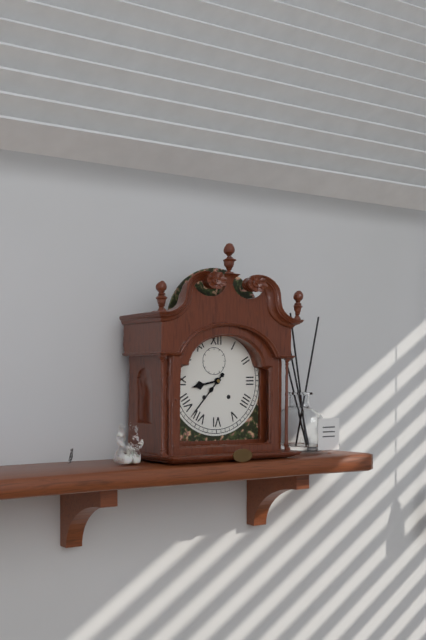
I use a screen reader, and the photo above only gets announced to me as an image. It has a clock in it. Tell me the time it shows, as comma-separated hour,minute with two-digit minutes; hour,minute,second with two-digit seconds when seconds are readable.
8,37
